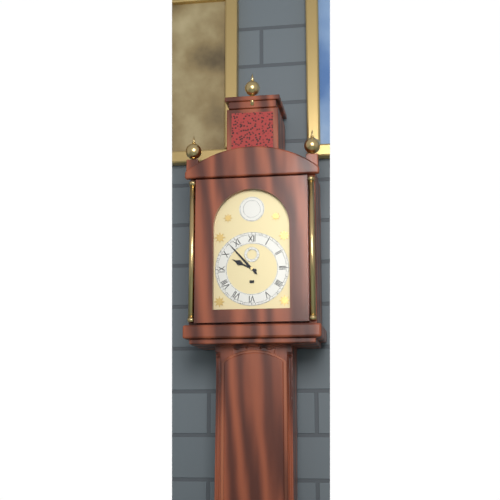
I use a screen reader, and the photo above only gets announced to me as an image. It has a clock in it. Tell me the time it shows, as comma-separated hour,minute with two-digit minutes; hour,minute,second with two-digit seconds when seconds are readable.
9,53
